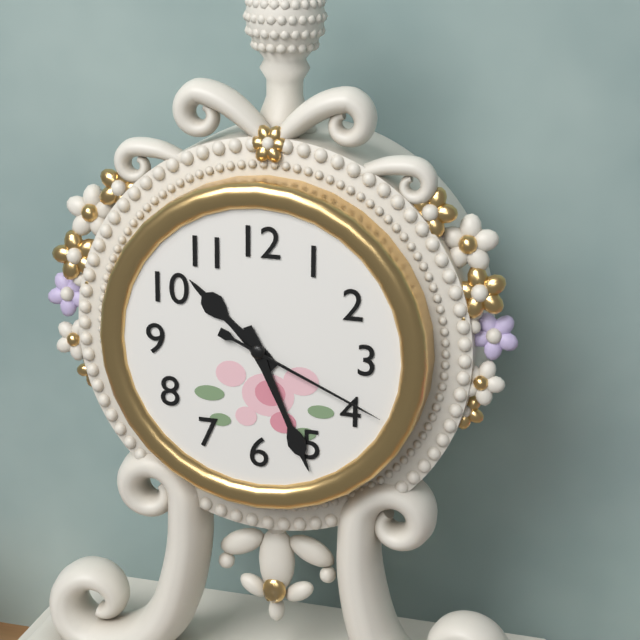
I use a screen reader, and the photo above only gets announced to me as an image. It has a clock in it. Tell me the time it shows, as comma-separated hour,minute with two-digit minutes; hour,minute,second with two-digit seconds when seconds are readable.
10,26,19
